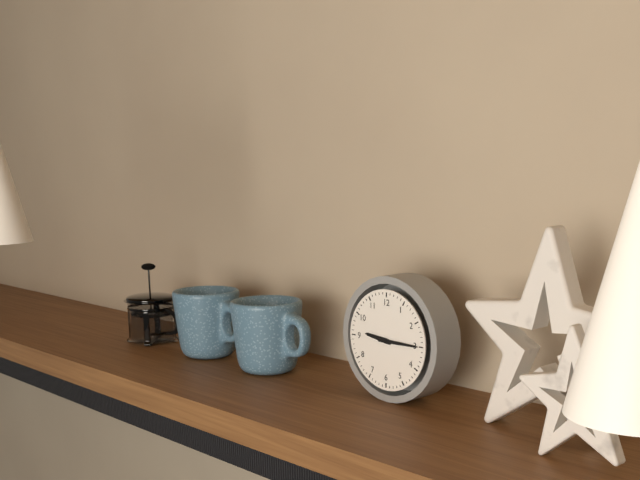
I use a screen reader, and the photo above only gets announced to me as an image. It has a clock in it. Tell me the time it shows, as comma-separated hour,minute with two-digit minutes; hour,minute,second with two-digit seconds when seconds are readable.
9,15
